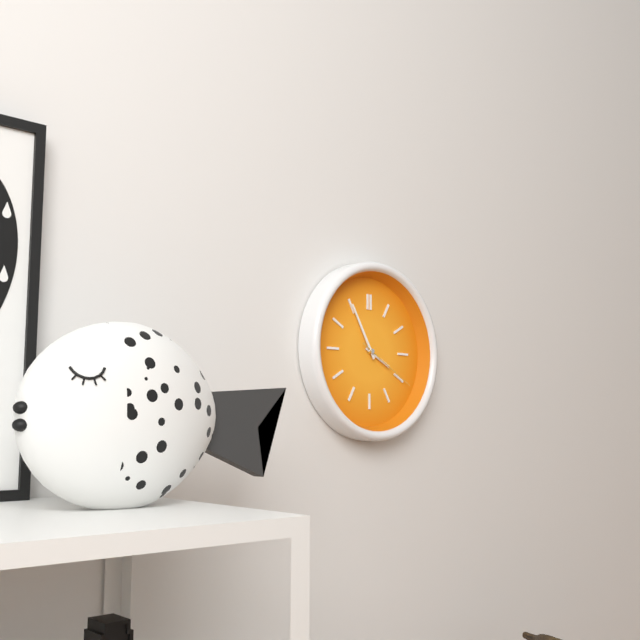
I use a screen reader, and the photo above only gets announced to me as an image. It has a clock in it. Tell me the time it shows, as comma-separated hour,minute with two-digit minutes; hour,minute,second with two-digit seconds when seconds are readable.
3,55,20
